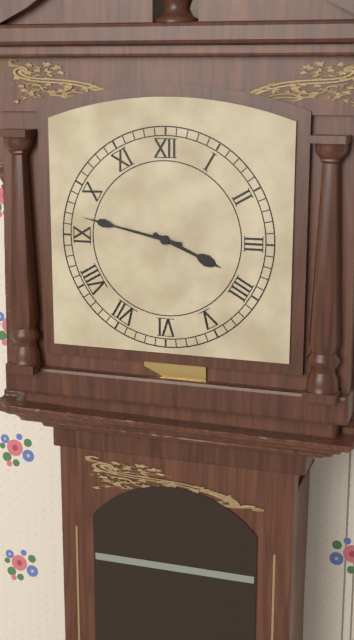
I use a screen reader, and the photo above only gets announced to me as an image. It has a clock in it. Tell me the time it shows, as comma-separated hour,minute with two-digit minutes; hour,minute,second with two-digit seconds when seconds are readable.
3,47
